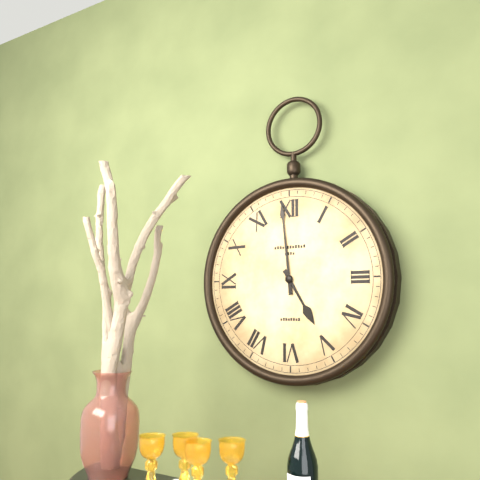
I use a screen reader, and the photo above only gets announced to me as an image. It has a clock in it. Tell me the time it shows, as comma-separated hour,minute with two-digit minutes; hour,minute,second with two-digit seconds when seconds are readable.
4,59
